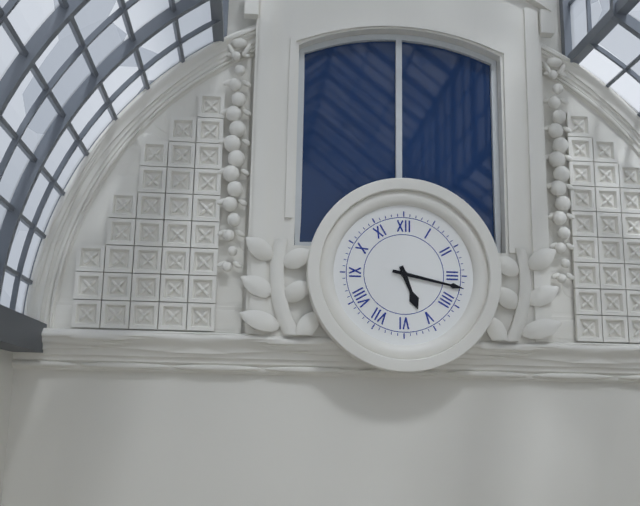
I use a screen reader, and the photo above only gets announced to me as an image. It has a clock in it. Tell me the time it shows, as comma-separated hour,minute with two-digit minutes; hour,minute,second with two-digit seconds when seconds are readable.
5,17
